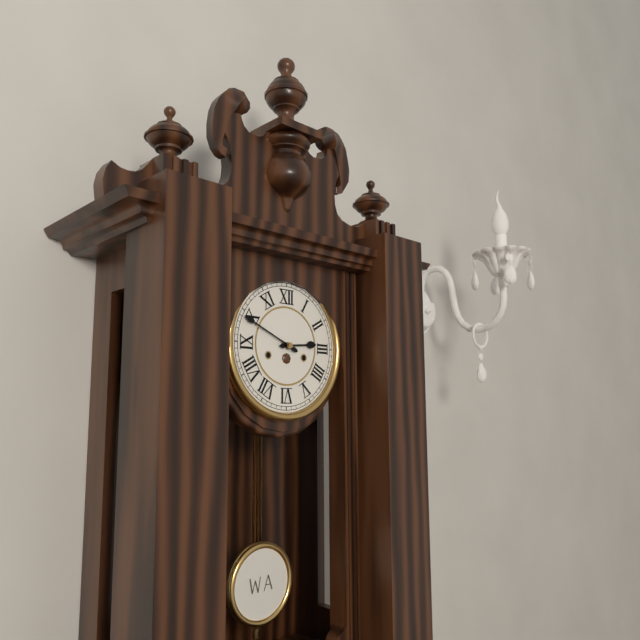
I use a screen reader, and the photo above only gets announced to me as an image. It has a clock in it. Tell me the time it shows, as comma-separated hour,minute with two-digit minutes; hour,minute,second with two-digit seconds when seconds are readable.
2,49
